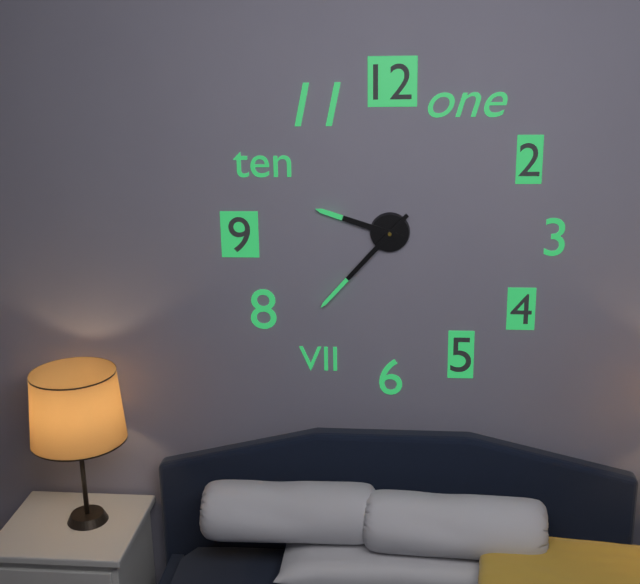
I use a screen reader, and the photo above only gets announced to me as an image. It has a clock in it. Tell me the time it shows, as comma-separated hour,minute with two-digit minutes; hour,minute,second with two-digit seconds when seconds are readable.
9,37
